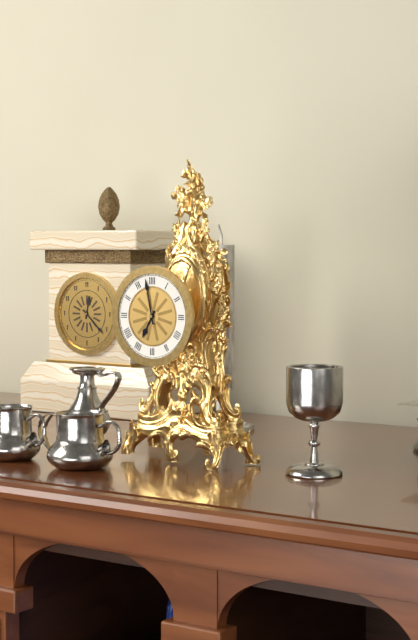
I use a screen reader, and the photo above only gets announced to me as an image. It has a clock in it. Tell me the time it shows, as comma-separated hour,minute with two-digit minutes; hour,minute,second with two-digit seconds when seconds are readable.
6,58
